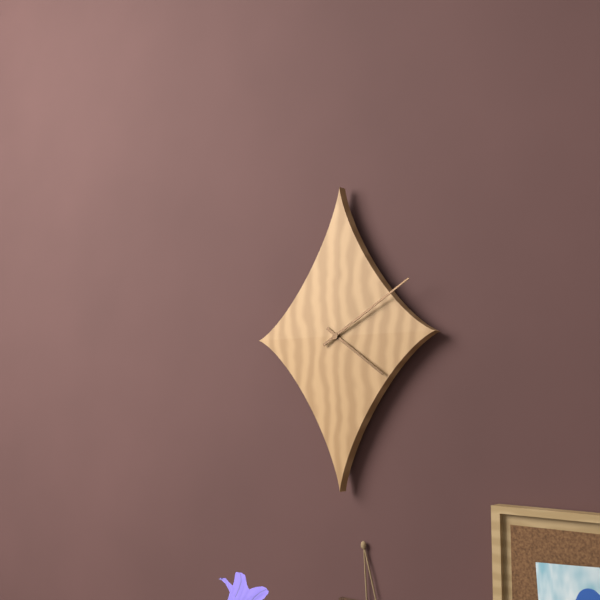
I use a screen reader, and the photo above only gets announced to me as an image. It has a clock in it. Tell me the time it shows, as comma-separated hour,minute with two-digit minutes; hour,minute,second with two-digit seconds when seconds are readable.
4,10
